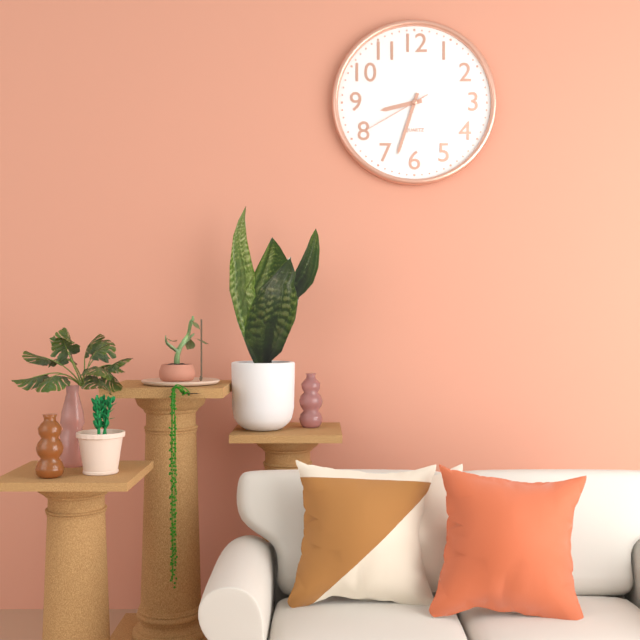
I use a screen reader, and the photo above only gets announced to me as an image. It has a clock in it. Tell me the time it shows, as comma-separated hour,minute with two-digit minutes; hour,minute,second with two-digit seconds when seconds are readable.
8,33,40
